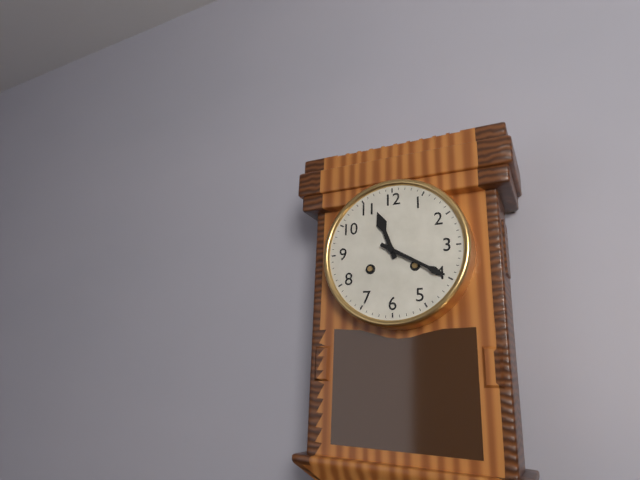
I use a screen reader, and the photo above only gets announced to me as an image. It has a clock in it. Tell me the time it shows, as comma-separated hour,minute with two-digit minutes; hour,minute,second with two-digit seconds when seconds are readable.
11,20
